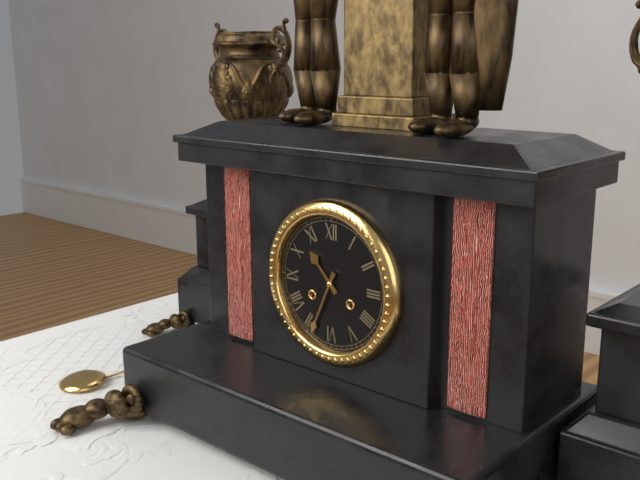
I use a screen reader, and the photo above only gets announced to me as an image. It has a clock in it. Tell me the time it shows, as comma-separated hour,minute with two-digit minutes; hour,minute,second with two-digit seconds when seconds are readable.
10,34
